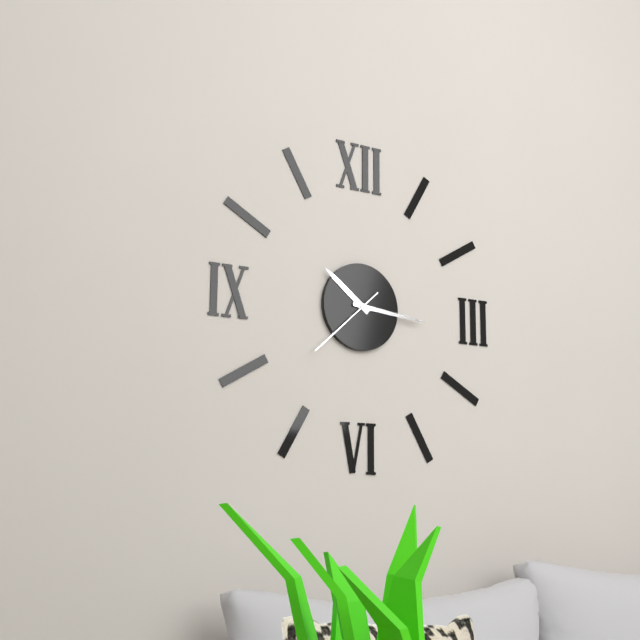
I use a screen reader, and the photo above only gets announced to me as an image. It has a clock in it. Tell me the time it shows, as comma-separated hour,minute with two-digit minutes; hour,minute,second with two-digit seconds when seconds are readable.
10,16,38
